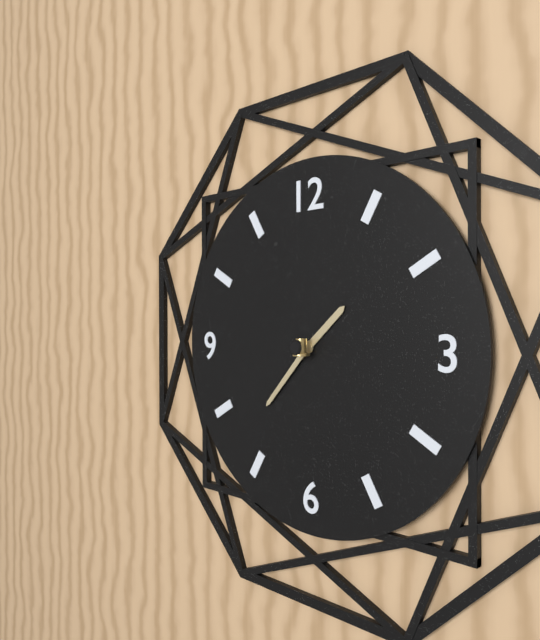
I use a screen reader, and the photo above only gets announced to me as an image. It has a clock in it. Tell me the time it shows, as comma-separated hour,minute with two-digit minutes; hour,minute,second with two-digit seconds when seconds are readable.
1,37
